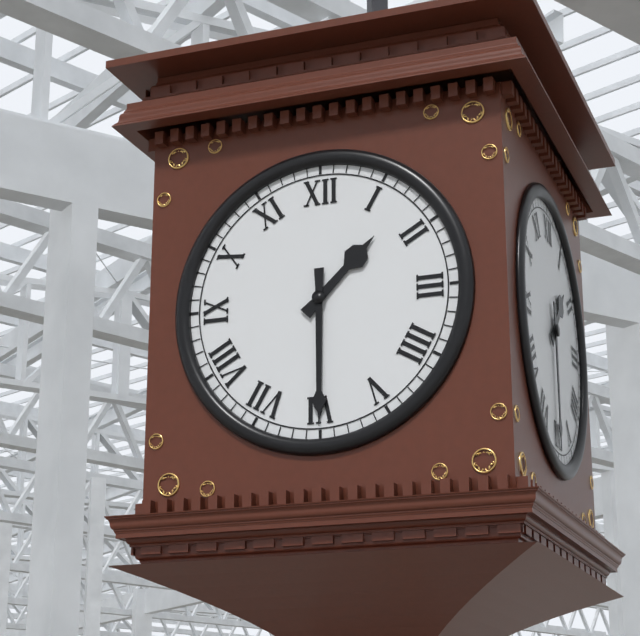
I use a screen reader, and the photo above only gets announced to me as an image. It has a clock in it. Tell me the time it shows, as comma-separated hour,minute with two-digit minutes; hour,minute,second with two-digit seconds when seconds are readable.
1,30
